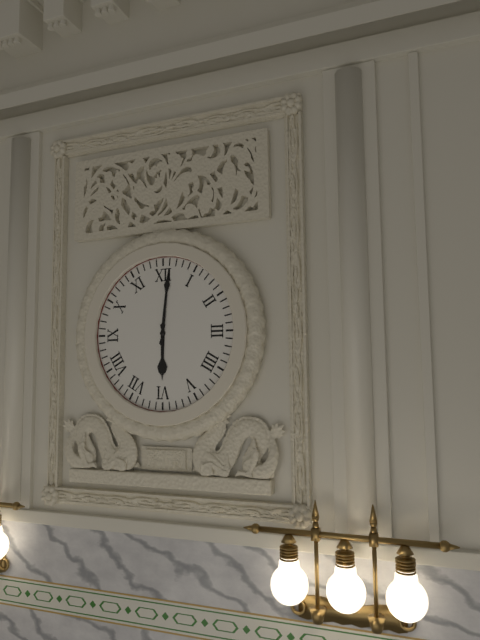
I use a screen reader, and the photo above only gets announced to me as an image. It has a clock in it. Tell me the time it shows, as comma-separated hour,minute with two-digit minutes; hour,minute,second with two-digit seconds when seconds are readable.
6,01
